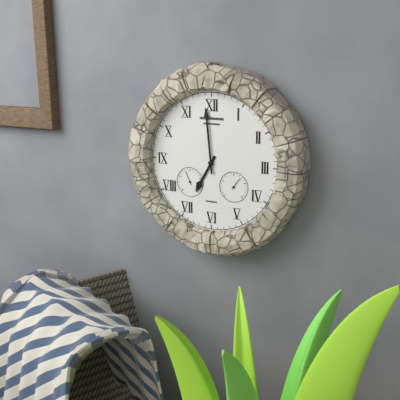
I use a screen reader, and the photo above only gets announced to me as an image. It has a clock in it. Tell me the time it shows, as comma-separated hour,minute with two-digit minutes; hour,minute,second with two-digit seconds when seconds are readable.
6,59
